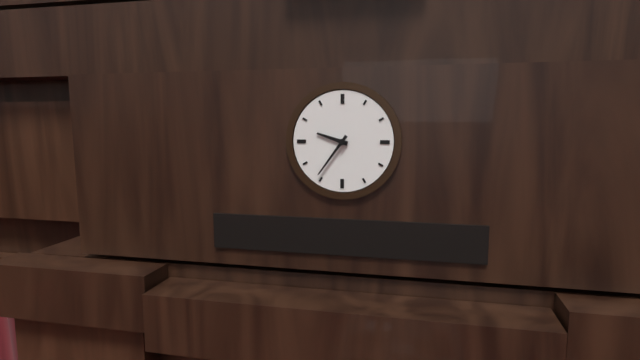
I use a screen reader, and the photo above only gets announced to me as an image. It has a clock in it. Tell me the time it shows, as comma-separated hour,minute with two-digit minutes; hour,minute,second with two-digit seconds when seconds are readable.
9,36
